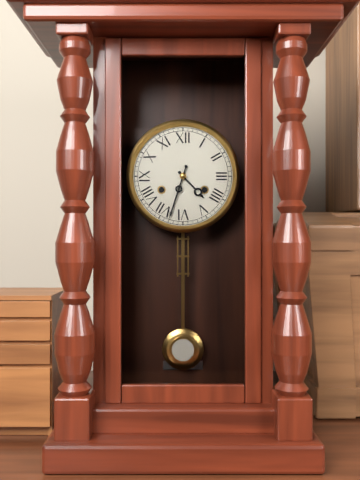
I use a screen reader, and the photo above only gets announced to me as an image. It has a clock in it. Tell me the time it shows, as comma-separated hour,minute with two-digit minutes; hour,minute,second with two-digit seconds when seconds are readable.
4,33
